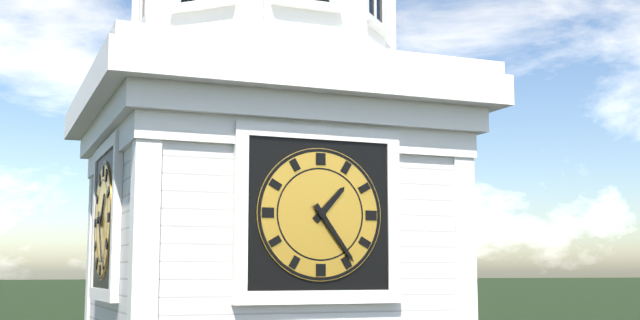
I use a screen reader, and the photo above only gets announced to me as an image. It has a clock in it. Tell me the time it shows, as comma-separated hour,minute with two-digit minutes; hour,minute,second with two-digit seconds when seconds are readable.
1,24
